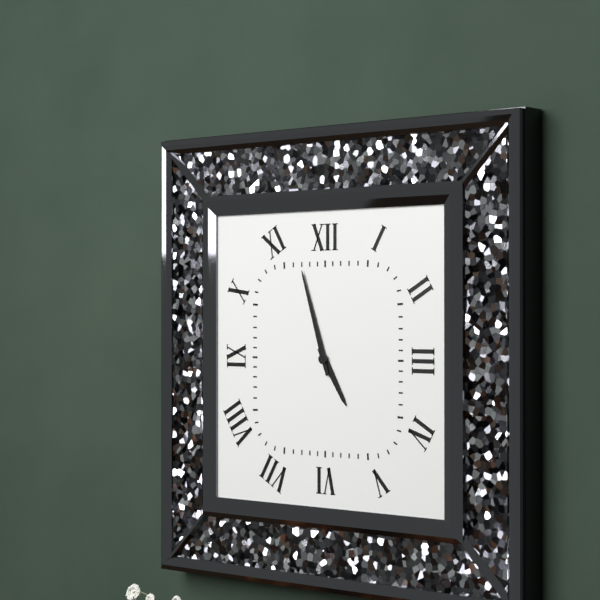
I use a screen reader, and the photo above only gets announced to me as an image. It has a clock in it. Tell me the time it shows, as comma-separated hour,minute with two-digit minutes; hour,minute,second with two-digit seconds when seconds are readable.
4,57
